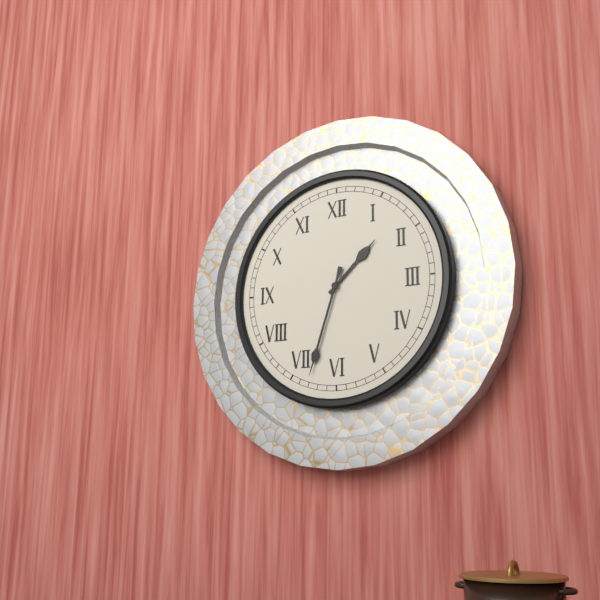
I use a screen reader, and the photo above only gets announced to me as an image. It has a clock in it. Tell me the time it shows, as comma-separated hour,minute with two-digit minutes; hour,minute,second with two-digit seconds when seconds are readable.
1,33
